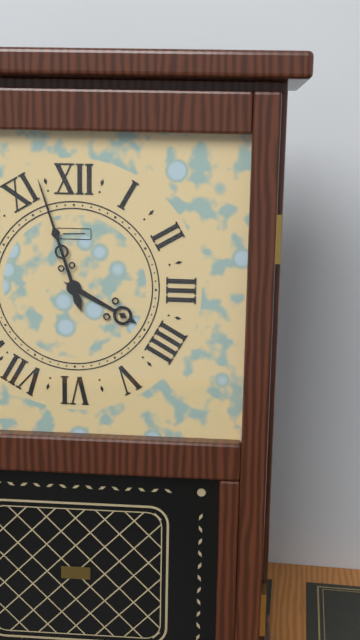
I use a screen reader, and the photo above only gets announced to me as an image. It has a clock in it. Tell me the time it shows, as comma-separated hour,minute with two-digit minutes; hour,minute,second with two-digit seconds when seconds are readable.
3,57
